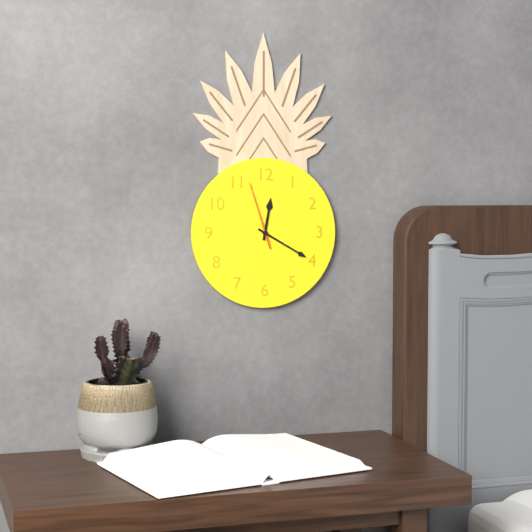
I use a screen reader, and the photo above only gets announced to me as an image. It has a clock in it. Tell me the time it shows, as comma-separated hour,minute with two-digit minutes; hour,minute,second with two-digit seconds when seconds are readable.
12,20,57
